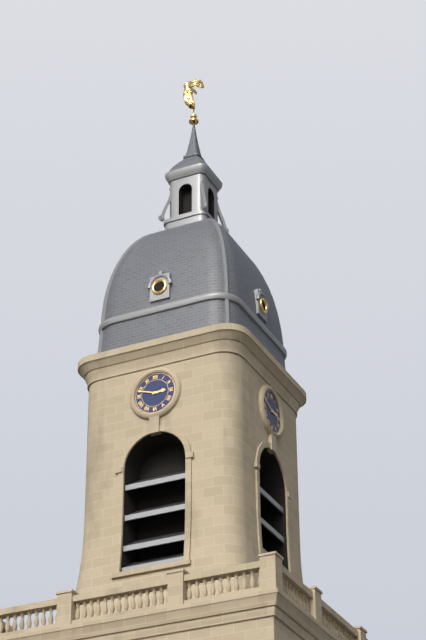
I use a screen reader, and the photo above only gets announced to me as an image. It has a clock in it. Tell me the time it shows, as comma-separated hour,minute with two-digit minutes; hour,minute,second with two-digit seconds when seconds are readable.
2,48
